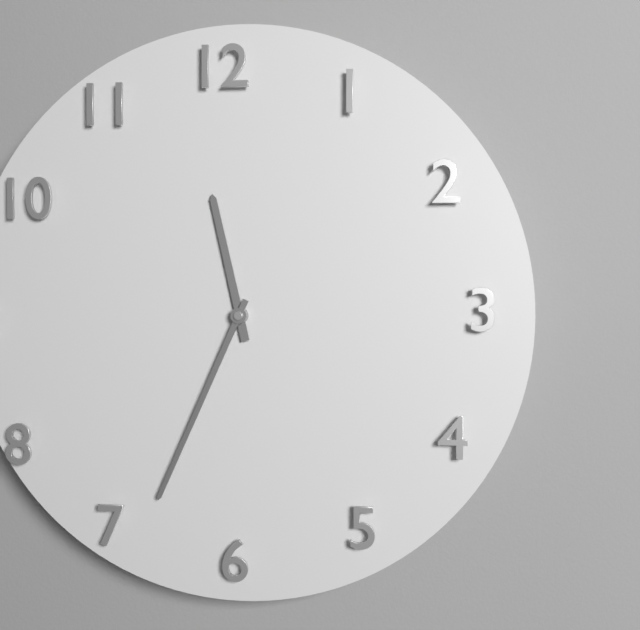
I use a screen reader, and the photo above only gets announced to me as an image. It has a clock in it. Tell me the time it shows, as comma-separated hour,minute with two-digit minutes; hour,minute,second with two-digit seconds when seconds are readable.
11,34
